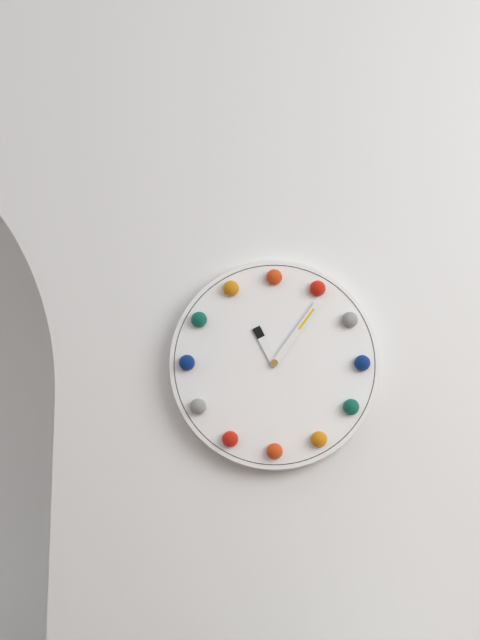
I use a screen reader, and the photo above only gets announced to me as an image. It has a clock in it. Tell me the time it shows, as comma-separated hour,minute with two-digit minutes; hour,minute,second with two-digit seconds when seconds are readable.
11,06
